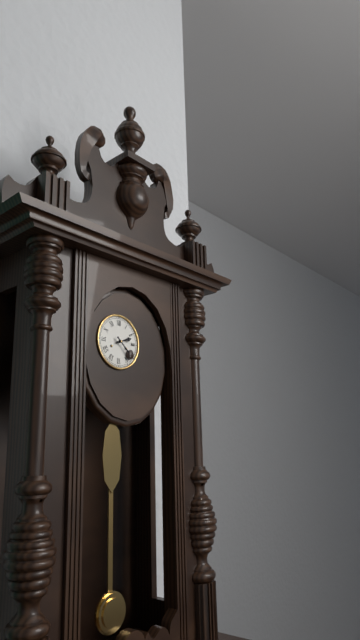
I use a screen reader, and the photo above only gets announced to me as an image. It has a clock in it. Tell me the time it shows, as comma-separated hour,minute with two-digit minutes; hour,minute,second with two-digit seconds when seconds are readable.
2,22
